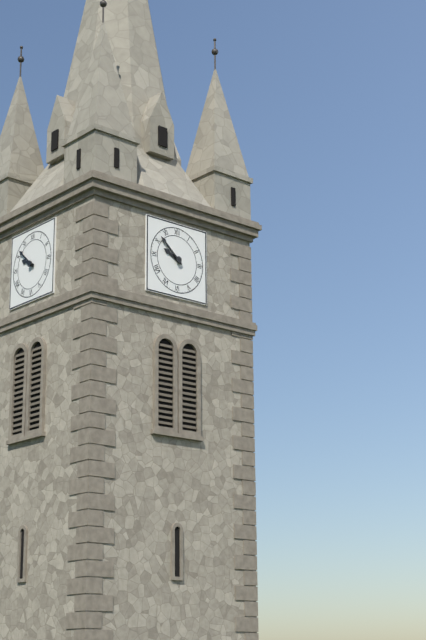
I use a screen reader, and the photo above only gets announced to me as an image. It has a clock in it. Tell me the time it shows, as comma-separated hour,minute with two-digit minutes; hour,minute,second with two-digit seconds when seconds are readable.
9,52
